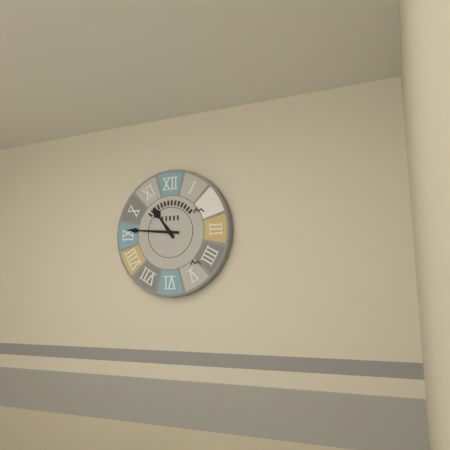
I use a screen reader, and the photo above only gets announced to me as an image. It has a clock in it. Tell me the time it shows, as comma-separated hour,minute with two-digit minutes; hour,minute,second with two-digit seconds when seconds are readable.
10,46
